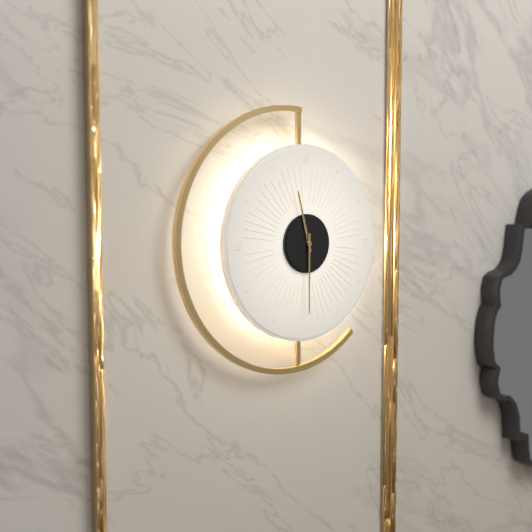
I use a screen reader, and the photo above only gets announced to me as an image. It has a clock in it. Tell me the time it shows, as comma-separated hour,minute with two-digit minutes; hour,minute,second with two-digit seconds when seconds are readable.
11,30
